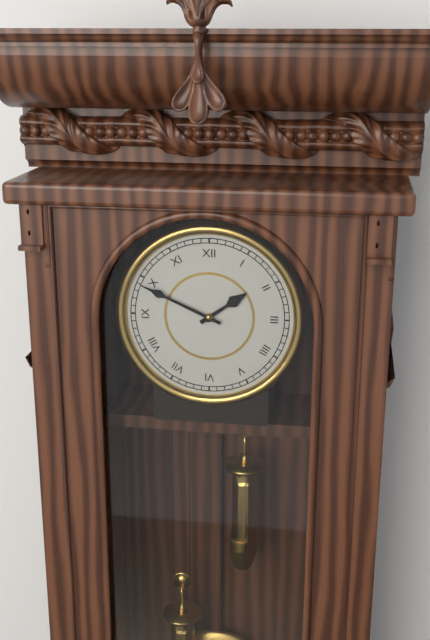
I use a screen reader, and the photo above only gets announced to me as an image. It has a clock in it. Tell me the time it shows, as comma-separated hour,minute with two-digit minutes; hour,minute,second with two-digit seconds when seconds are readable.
1,49
